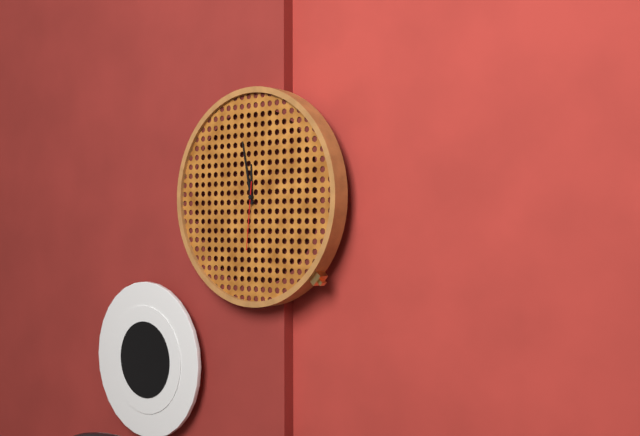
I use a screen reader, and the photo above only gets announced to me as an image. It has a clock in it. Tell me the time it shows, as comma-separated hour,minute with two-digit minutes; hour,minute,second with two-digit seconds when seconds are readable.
11,58,31
